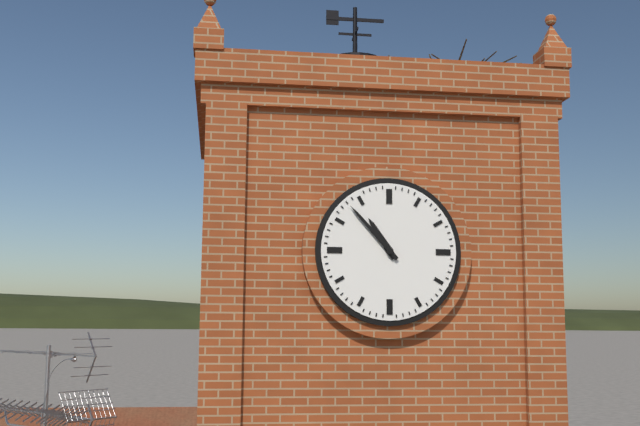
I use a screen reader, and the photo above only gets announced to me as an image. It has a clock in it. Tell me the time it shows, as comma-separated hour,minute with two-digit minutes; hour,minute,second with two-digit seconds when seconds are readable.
10,53
